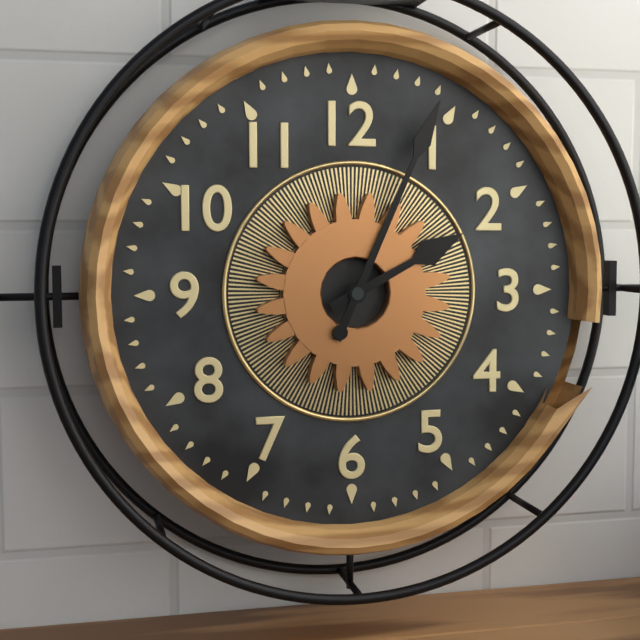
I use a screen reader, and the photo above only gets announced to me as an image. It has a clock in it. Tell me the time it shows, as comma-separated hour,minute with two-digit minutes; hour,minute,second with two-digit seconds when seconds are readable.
2,04
